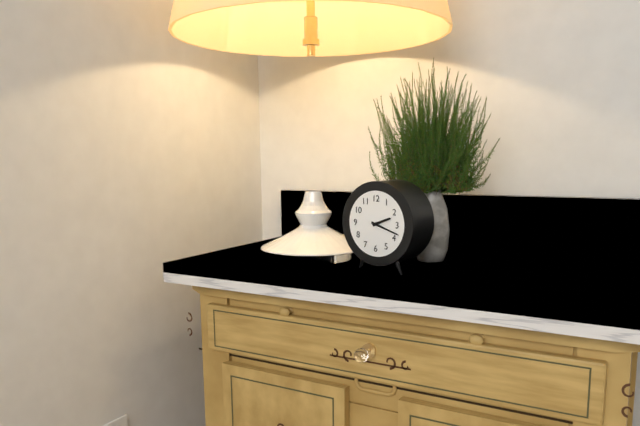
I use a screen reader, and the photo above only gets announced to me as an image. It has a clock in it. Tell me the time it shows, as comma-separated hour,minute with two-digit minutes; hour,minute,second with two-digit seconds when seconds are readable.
2,18
